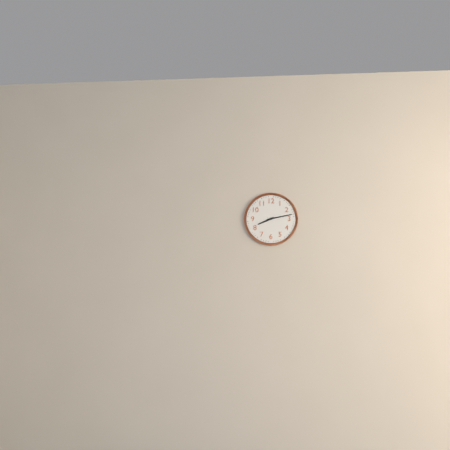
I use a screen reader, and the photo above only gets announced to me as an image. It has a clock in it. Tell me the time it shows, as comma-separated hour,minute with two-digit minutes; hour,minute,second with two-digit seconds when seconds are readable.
8,13
